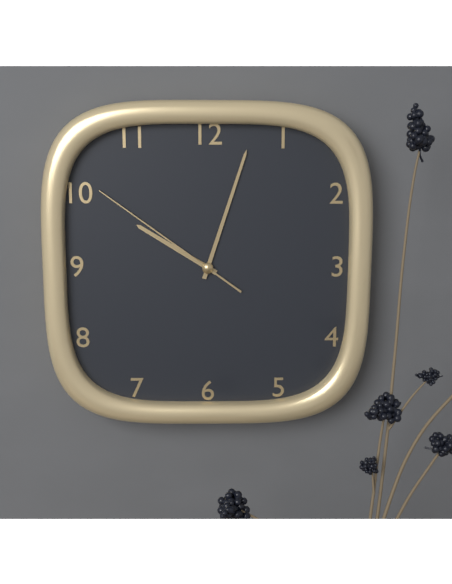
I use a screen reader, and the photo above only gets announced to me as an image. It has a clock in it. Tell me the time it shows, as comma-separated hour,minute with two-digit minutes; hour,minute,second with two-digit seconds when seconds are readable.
10,03,51
